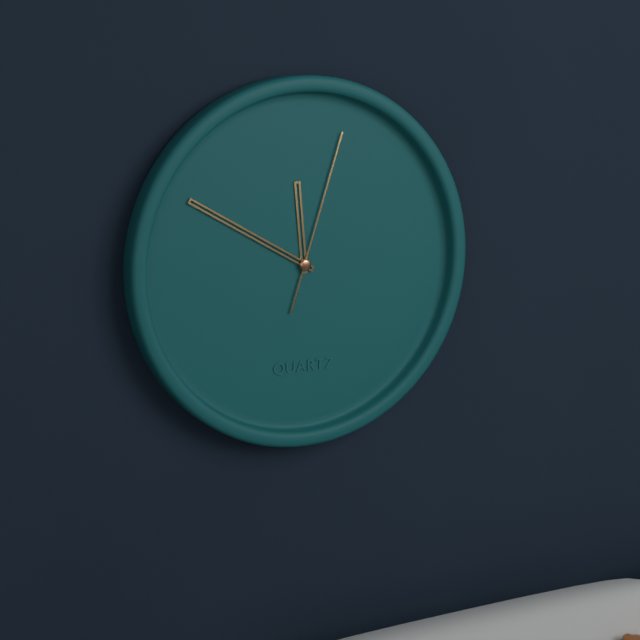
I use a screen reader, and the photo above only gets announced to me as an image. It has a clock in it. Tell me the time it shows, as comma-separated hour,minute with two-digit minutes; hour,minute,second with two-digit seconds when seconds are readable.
11,50,03
